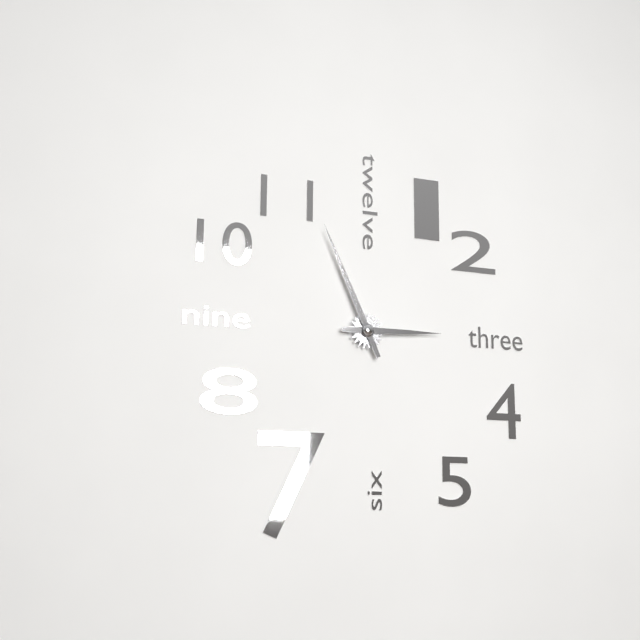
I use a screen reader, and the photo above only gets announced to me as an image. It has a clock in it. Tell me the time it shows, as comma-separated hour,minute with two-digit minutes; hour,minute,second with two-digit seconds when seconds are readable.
2,56
